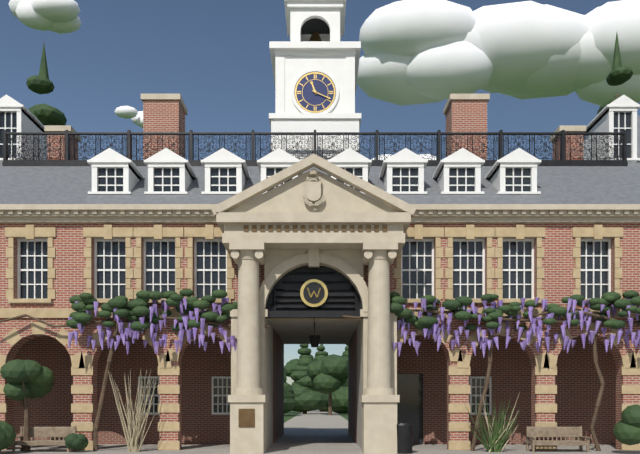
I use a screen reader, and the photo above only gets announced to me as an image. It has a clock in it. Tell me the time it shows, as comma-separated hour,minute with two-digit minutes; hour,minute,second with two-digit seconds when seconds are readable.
11,19
